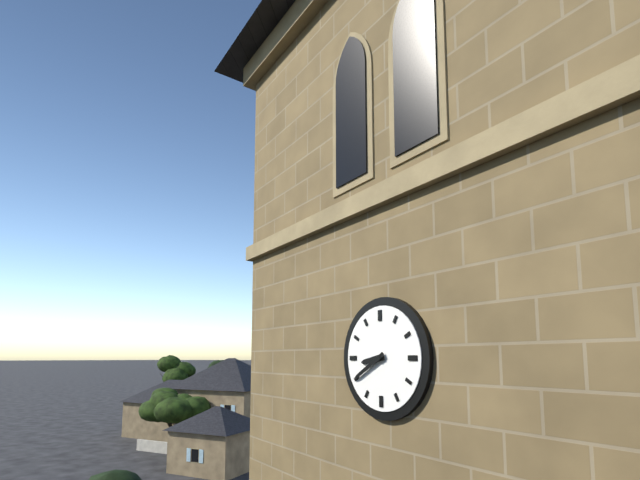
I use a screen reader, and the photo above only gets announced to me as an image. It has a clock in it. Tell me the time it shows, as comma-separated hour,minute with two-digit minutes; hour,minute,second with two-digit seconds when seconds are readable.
8,40
